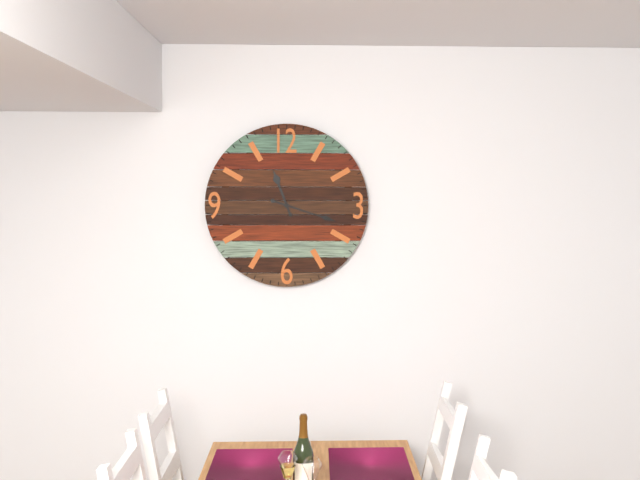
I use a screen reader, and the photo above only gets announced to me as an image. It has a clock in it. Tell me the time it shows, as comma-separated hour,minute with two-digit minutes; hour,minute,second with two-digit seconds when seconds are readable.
11,18
